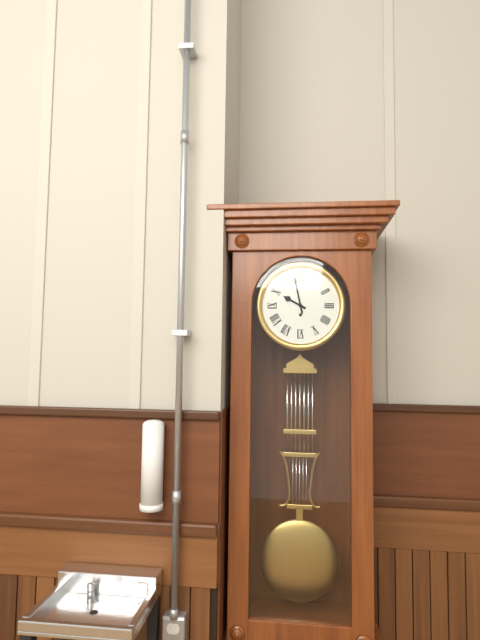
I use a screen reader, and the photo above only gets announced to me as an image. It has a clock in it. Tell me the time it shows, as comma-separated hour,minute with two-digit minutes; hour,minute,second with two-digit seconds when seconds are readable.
9,58
